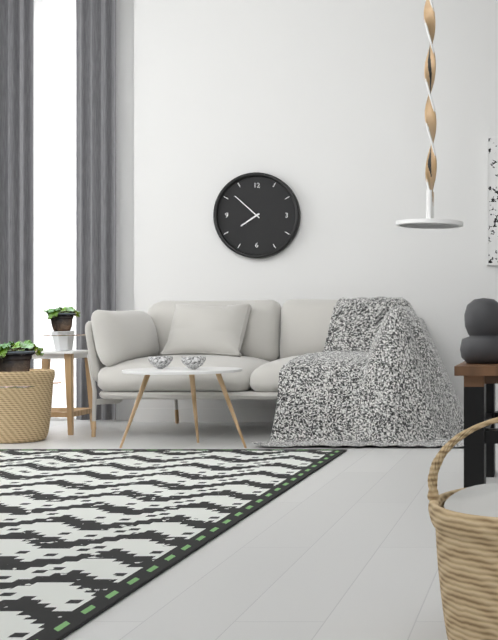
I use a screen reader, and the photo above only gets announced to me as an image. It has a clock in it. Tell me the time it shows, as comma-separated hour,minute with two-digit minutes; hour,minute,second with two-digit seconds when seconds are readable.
7,52
